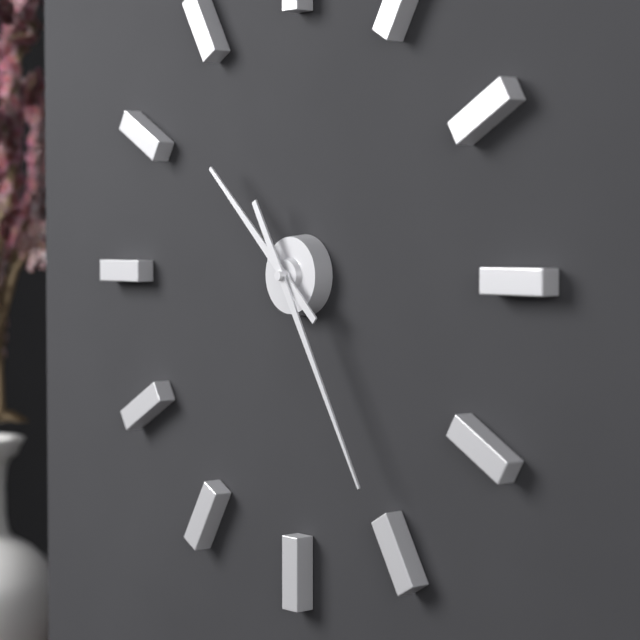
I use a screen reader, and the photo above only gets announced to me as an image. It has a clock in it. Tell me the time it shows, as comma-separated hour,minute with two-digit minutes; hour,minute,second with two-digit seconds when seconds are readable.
10,25
